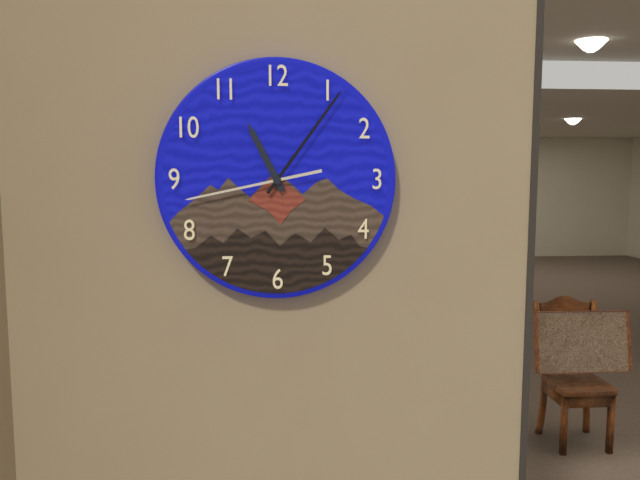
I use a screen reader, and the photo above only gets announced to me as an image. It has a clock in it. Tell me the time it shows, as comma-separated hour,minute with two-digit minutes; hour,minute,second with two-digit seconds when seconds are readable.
11,06,43
